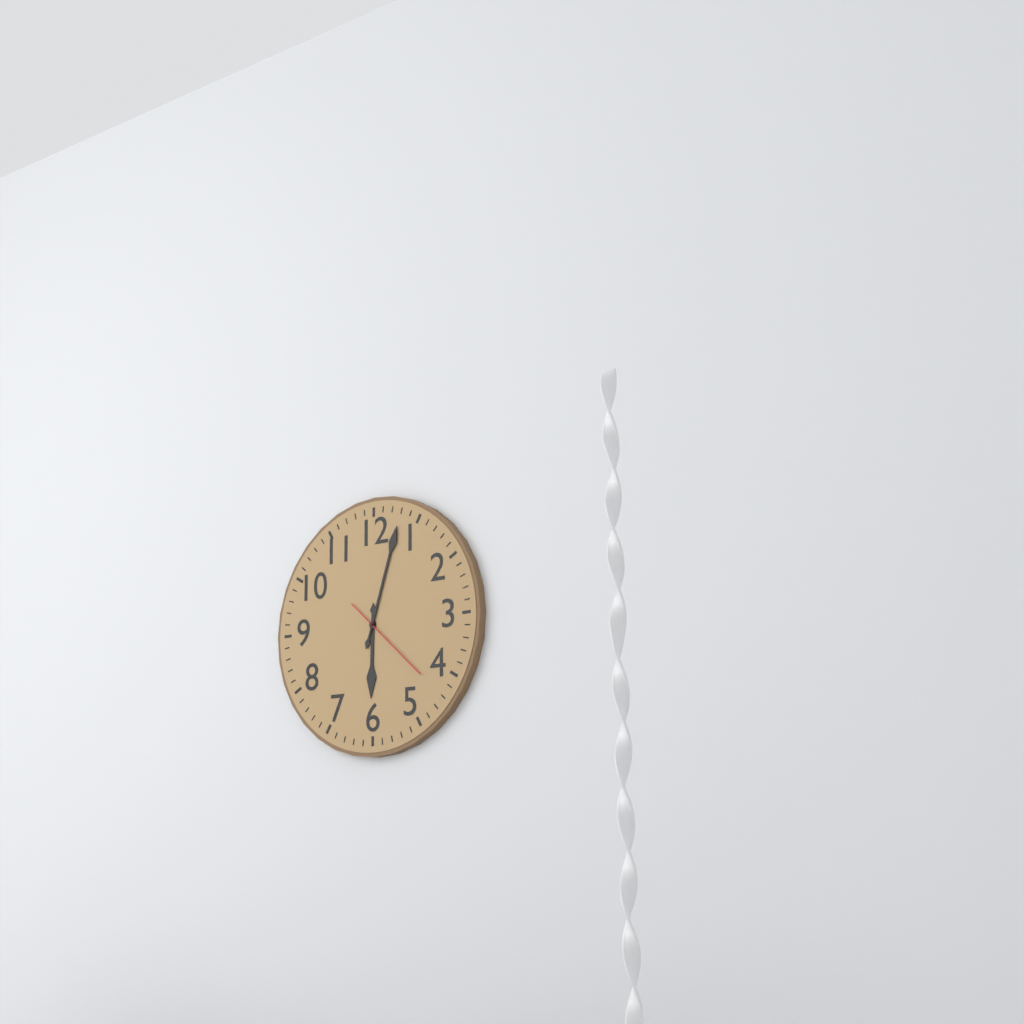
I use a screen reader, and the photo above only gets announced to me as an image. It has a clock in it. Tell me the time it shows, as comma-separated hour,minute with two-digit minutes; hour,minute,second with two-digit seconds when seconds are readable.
6,03,22
